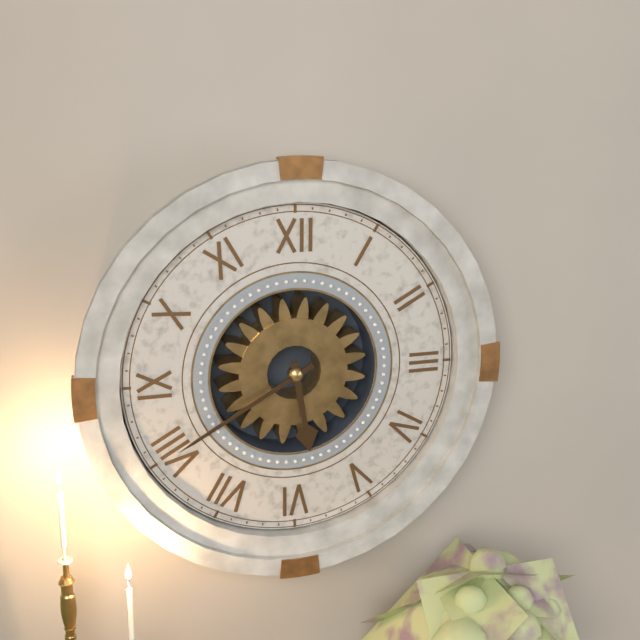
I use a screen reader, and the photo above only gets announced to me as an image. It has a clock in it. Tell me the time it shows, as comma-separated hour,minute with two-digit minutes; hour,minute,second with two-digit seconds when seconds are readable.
5,40
